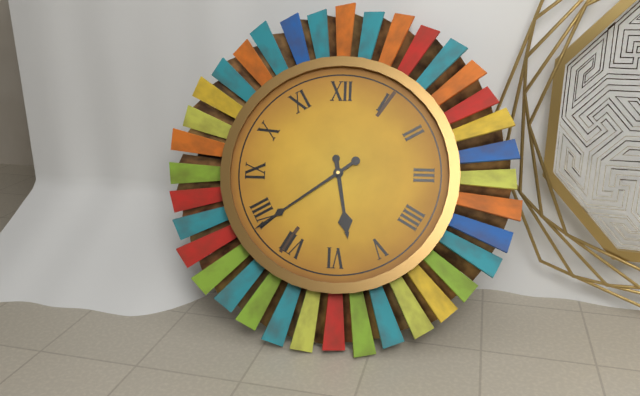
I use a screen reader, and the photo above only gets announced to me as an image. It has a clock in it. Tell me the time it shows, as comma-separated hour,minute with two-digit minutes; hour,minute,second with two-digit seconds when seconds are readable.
5,39
